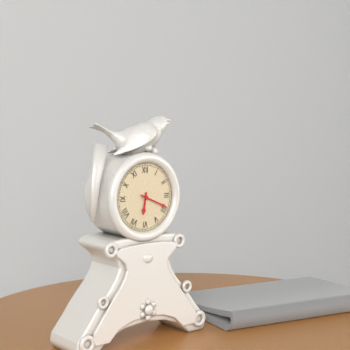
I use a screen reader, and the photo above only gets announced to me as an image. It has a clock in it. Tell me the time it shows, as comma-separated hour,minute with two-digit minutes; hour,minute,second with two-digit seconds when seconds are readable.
6,19
